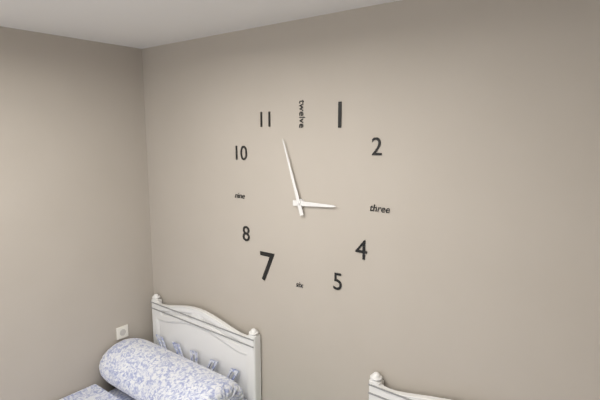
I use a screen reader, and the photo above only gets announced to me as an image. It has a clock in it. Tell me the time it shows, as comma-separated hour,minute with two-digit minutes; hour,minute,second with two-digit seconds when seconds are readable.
2,57
